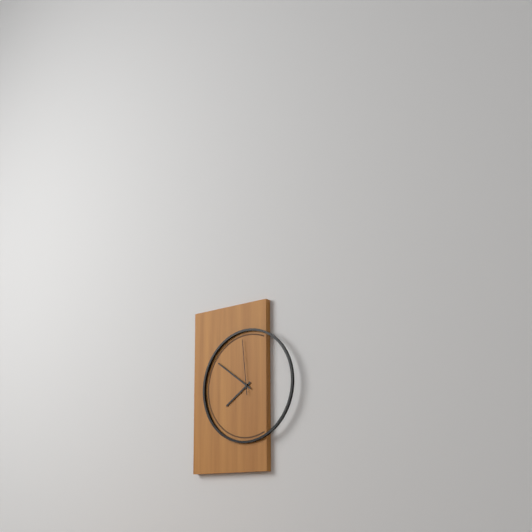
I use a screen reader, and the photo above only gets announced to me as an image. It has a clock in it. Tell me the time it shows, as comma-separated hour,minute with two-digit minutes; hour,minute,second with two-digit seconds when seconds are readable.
7,51,59
